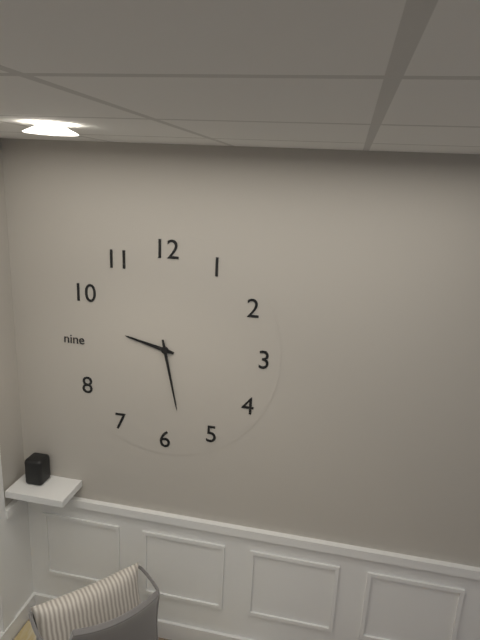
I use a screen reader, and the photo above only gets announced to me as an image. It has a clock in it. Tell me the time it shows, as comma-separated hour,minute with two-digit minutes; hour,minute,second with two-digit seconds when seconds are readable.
9,28
